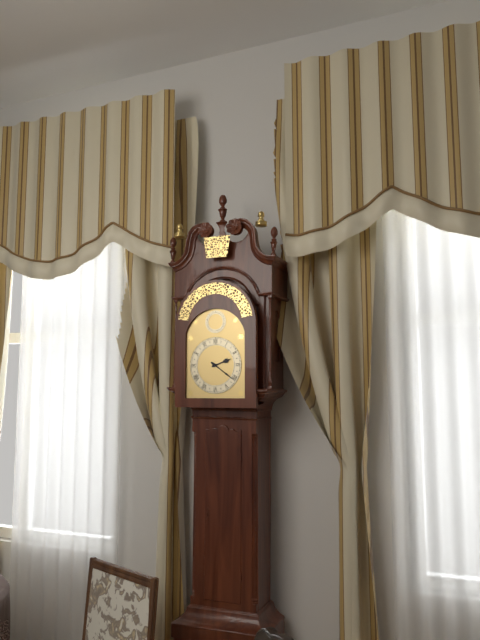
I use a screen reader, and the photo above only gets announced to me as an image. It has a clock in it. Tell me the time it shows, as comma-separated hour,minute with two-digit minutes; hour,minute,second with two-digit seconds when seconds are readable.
2,21
